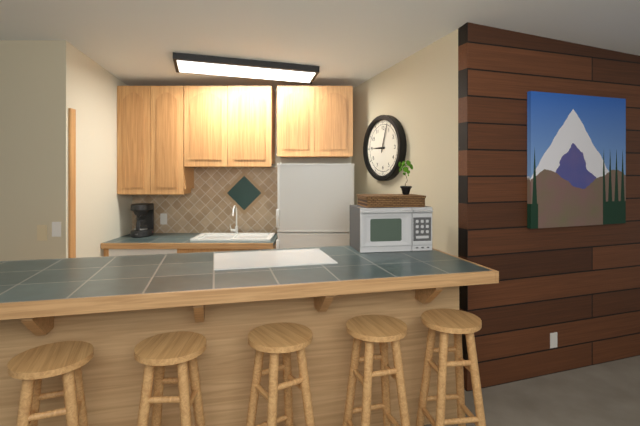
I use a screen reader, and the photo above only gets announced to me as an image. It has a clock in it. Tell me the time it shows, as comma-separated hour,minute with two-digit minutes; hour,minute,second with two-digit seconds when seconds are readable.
9,03
